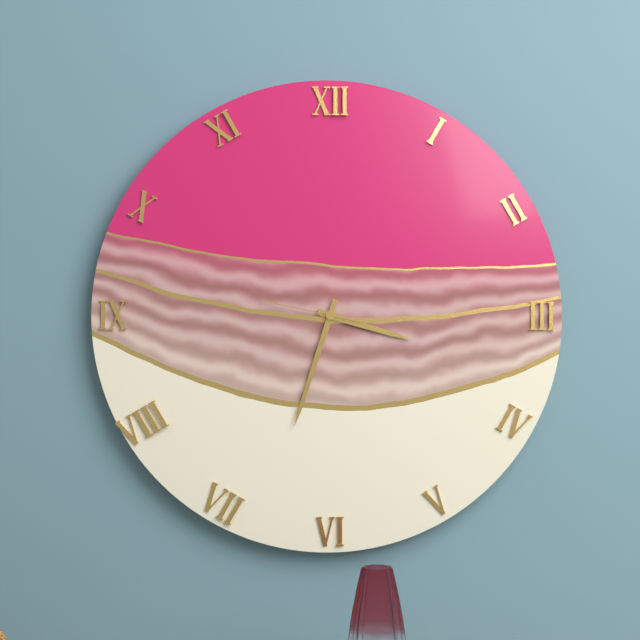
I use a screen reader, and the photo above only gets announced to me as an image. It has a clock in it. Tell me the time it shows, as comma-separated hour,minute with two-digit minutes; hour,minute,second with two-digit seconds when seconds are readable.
3,33,47
